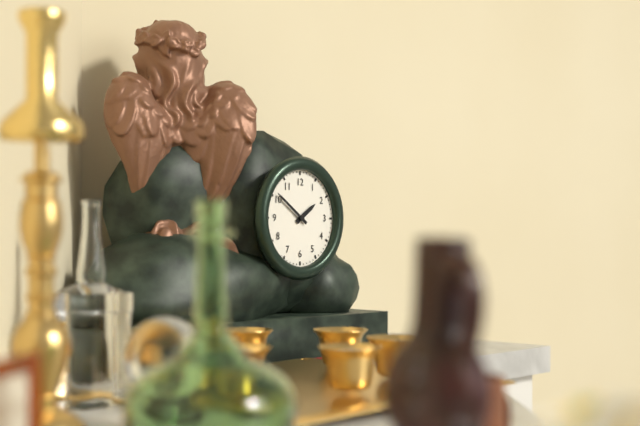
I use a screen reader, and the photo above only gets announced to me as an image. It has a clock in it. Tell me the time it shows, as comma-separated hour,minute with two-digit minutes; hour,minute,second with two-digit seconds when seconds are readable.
1,51
